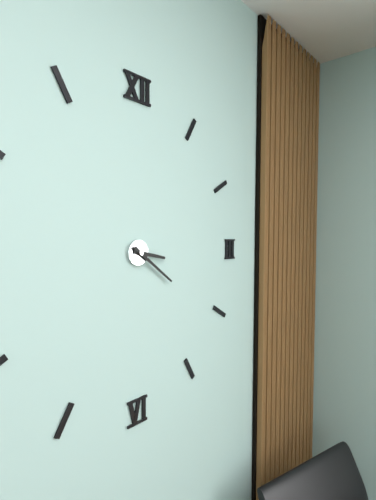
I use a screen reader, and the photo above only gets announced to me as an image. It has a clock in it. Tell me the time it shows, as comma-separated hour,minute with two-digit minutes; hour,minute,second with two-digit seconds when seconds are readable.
3,21
